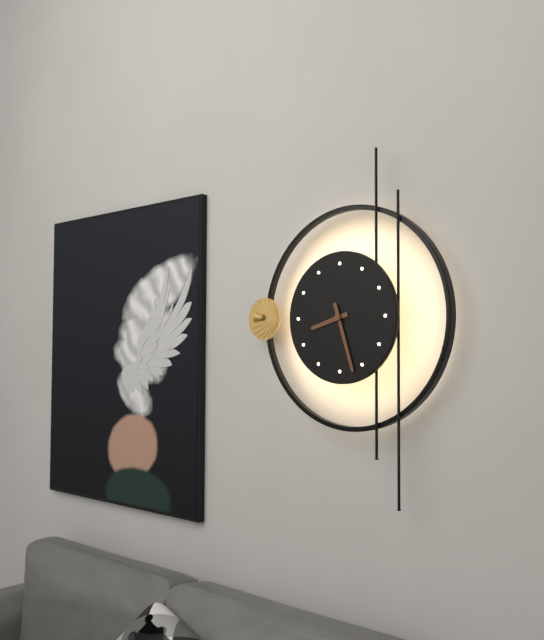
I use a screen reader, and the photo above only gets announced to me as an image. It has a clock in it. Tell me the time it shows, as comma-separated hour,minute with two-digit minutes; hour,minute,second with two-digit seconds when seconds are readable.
8,27
